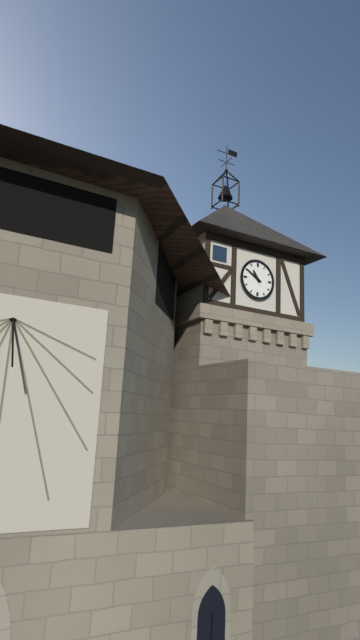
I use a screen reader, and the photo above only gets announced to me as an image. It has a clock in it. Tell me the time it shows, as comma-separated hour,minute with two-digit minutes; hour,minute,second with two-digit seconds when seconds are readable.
10,50
